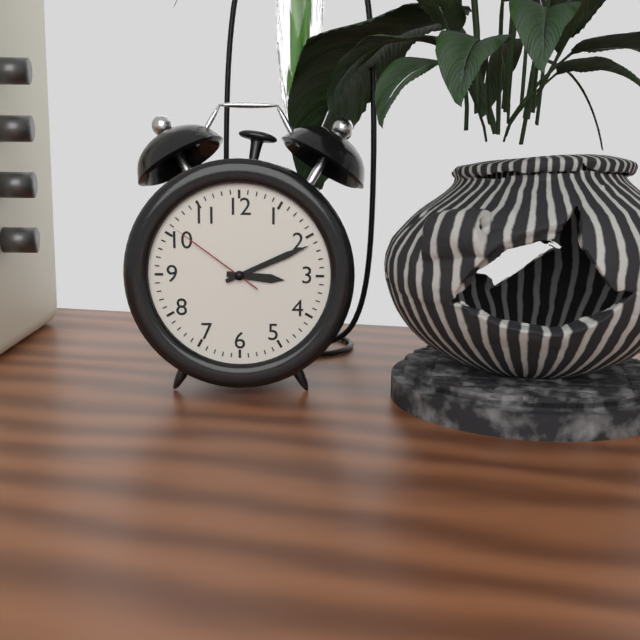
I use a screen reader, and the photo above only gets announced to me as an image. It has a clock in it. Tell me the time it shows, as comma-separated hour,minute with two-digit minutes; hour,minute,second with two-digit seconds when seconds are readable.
3,11,51
